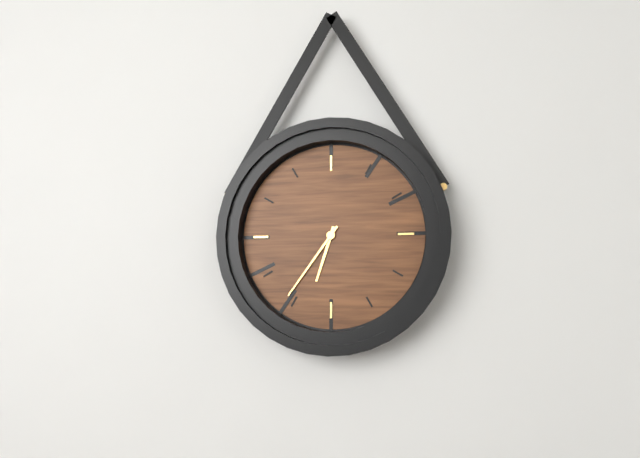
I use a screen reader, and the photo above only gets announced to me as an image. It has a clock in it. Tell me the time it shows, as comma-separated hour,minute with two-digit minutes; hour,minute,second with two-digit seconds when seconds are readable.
6,36
